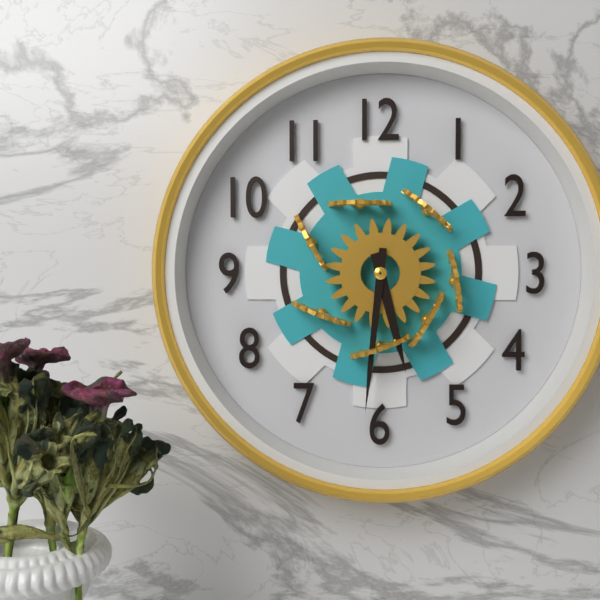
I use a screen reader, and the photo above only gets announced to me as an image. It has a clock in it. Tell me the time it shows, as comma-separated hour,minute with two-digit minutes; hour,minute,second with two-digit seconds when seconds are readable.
5,31
